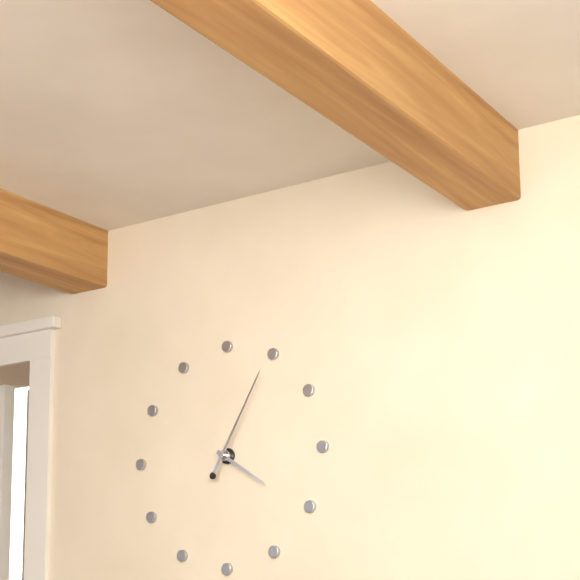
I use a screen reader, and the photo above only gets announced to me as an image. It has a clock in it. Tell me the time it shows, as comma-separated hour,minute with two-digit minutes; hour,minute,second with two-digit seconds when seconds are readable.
4,05
